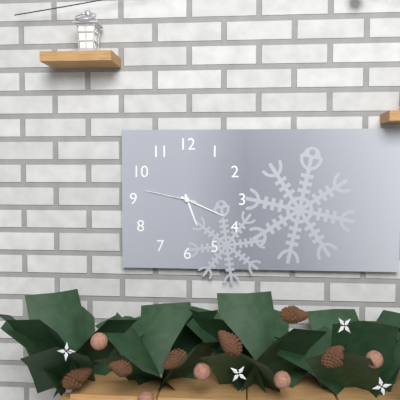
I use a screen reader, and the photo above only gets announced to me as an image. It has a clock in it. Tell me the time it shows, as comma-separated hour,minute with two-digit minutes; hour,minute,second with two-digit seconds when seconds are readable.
5,19,47
